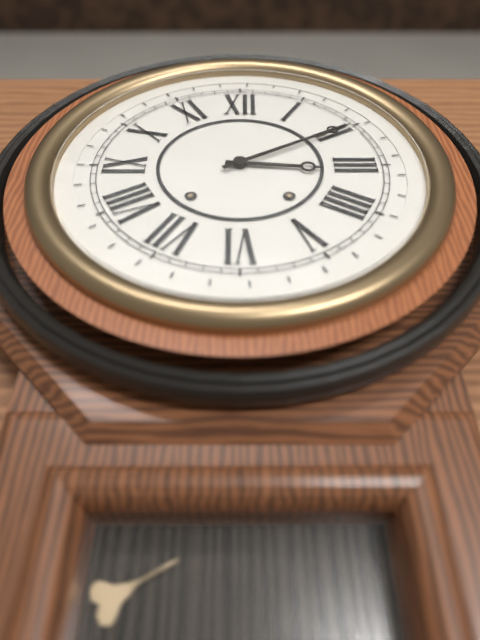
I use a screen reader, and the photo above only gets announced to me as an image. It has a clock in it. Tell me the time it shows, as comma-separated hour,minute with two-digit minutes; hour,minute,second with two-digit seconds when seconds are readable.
3,10
